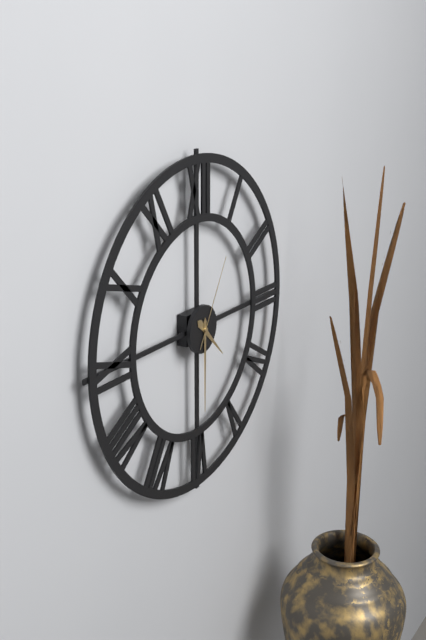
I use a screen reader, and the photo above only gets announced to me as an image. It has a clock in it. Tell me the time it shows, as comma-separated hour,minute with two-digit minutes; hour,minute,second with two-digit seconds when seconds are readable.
4,30,05
